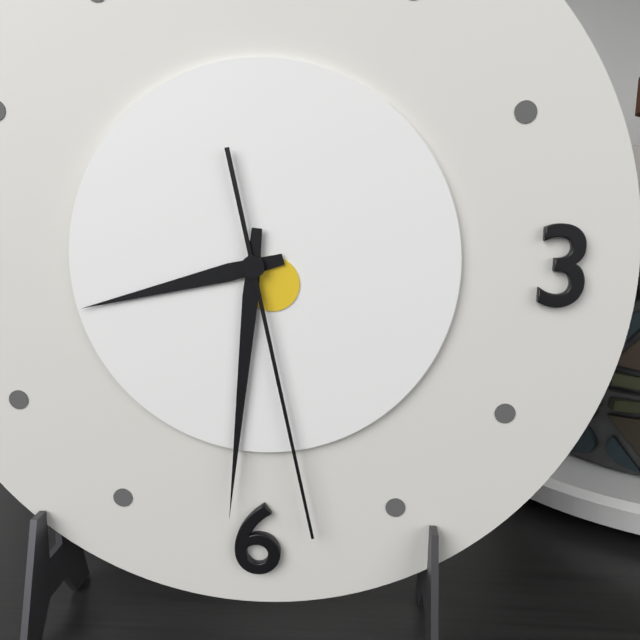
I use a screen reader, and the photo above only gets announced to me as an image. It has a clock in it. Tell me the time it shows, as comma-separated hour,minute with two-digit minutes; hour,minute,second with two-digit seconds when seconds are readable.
8,31,28
